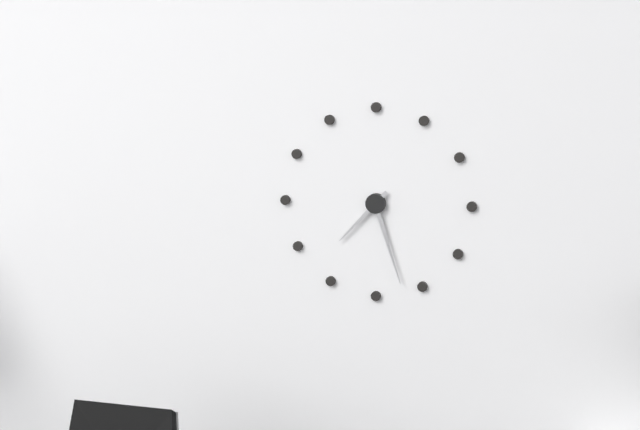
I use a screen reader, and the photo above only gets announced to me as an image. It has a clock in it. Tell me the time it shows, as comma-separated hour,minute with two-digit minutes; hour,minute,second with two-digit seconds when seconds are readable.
7,27
